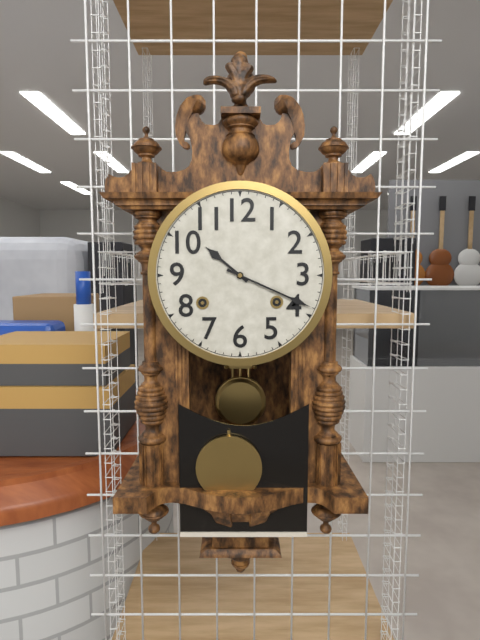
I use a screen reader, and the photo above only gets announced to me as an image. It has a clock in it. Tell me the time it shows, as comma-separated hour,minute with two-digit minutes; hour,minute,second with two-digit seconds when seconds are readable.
10,19
